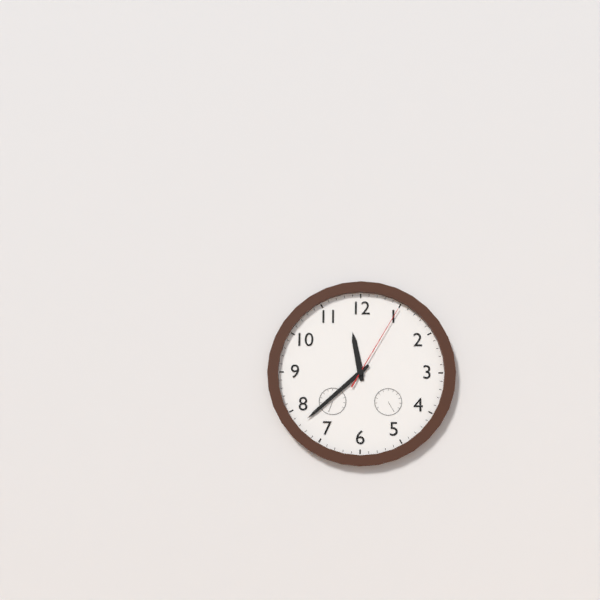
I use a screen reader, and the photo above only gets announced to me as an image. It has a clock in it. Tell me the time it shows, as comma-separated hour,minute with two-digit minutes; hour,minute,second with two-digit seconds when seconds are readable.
11,38,05
